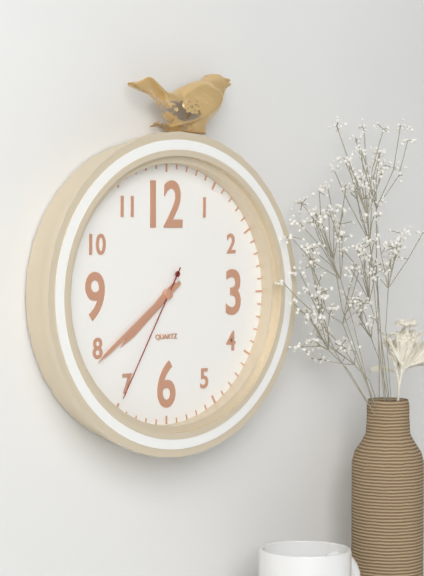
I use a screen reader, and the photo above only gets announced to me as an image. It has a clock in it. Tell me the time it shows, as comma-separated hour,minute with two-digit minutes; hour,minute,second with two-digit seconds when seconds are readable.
7,39,35
